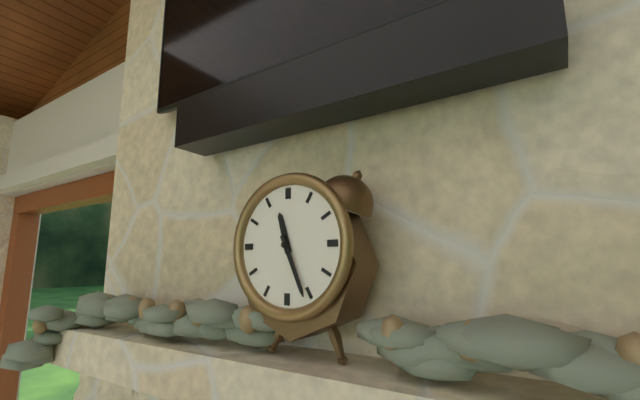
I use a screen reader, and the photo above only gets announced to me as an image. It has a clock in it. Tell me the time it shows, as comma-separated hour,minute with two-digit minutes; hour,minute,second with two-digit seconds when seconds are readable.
11,26
